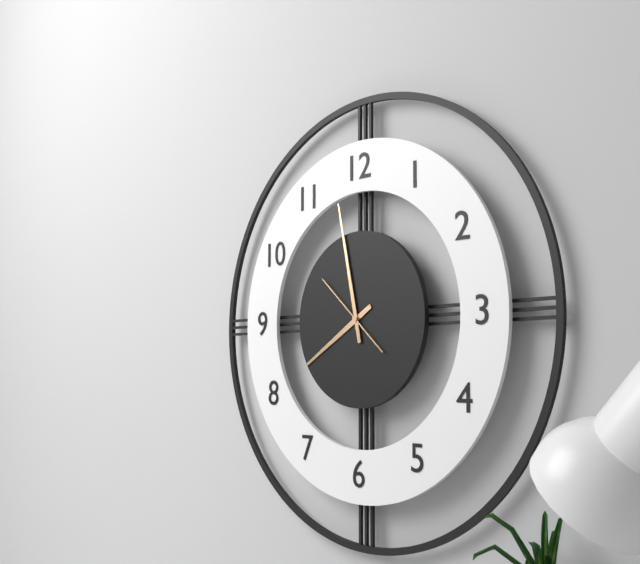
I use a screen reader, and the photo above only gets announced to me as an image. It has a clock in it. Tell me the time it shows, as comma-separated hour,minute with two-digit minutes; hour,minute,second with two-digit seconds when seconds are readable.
7,58,52
